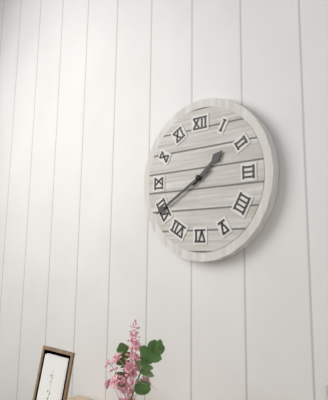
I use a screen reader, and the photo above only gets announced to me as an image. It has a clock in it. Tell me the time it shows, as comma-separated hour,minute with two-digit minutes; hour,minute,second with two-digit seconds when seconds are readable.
1,40
